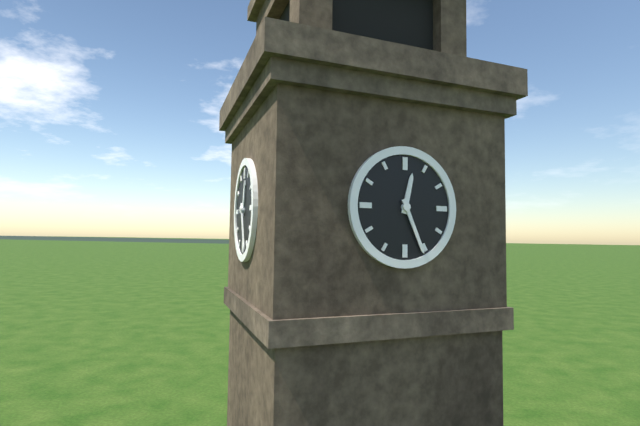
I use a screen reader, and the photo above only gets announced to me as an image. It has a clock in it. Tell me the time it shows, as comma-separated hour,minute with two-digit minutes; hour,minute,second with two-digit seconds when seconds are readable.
12,26
